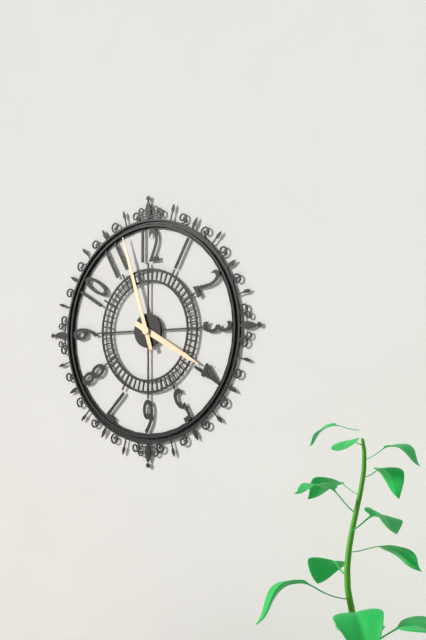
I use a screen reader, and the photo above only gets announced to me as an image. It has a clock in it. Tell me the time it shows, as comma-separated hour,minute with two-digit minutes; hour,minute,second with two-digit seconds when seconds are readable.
3,57
